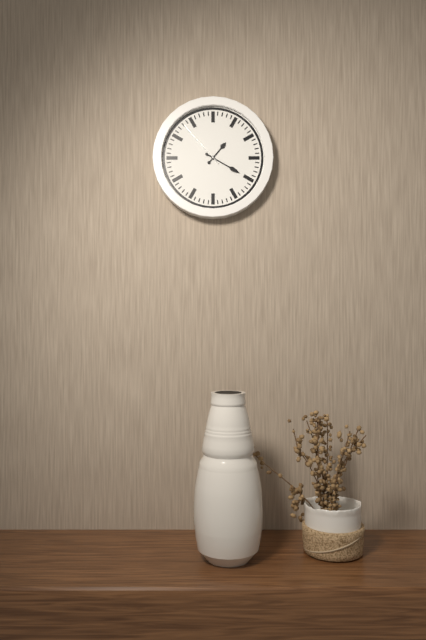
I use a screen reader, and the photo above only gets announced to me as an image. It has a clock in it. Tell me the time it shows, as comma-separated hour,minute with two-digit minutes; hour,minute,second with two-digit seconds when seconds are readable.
1,20,53
